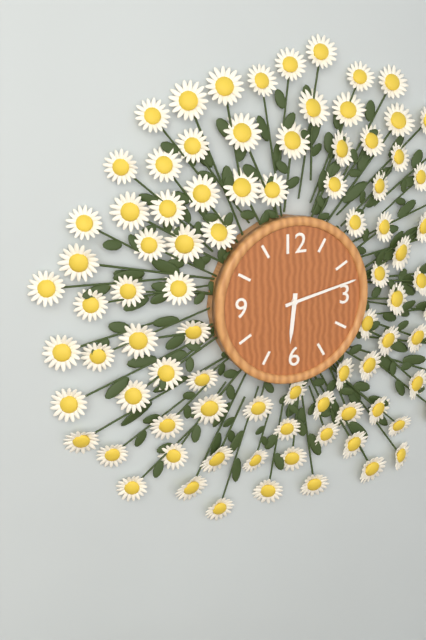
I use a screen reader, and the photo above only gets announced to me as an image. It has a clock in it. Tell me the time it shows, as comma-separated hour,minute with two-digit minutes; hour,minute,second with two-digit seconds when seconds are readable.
6,13
